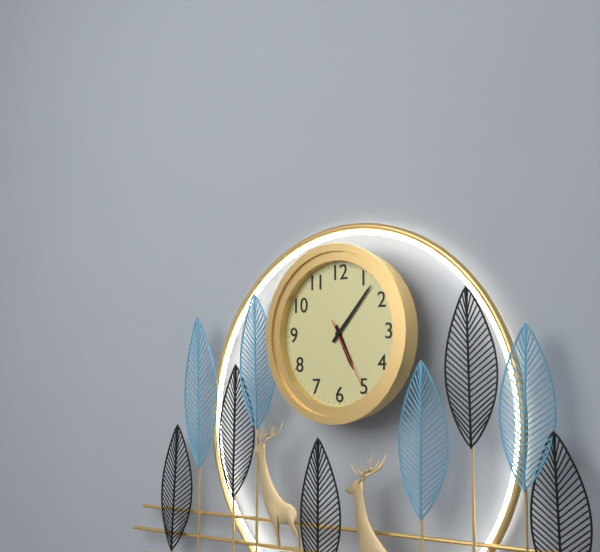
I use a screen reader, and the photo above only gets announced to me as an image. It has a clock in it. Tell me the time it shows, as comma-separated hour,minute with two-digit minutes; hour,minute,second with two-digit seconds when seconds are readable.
5,07,25
